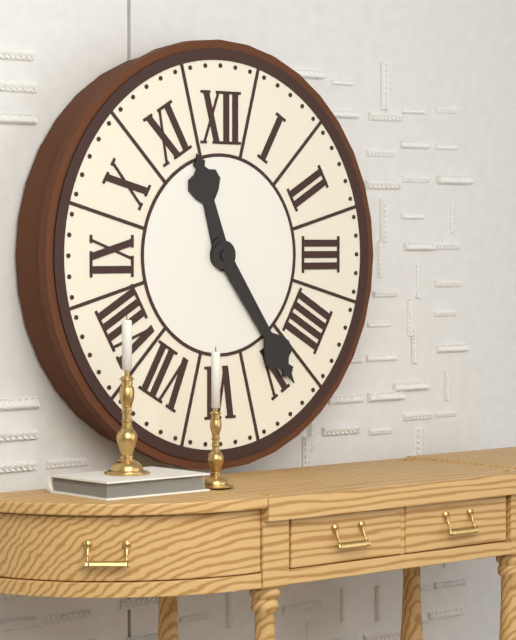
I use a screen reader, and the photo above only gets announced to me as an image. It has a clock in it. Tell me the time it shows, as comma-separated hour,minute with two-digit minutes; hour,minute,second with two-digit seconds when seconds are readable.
11,24
